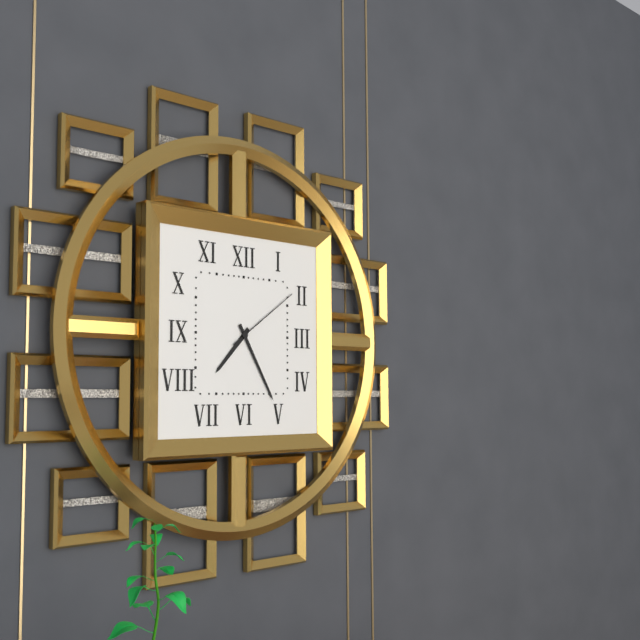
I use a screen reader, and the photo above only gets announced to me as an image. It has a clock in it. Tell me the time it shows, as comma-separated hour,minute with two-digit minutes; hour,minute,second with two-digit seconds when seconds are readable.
7,25,09
